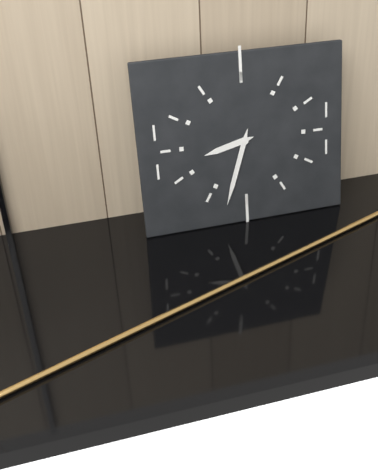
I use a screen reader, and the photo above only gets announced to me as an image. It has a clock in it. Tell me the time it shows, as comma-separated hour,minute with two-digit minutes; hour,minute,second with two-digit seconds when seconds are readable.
8,33
